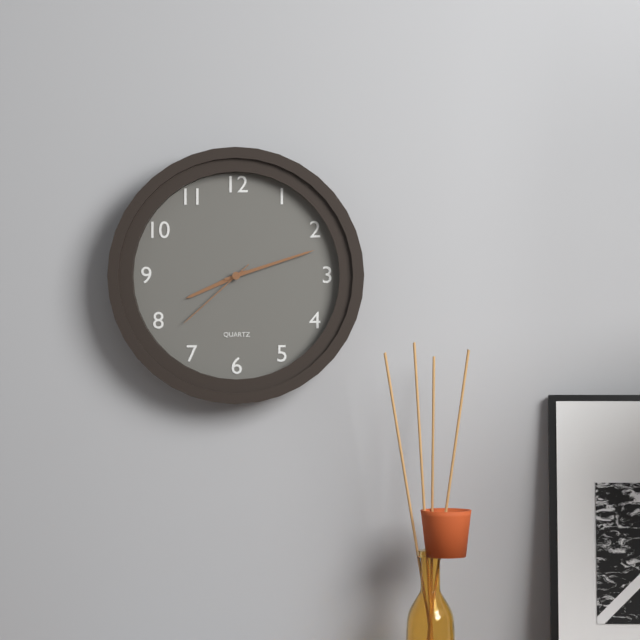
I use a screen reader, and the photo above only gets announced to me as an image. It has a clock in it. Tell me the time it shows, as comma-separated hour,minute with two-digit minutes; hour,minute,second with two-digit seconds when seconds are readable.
8,12,38
